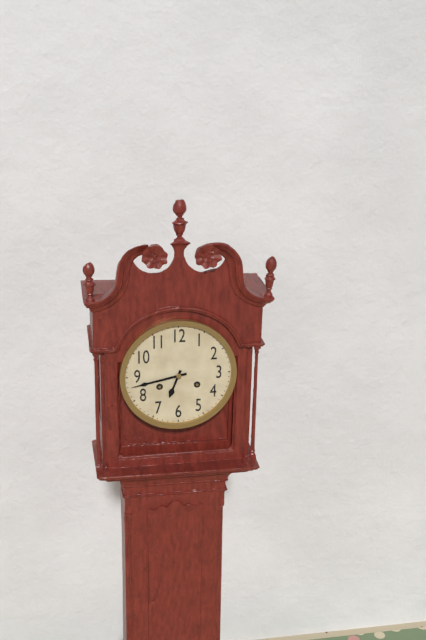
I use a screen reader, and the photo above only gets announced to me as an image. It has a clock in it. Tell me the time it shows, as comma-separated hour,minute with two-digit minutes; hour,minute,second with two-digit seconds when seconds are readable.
6,43
